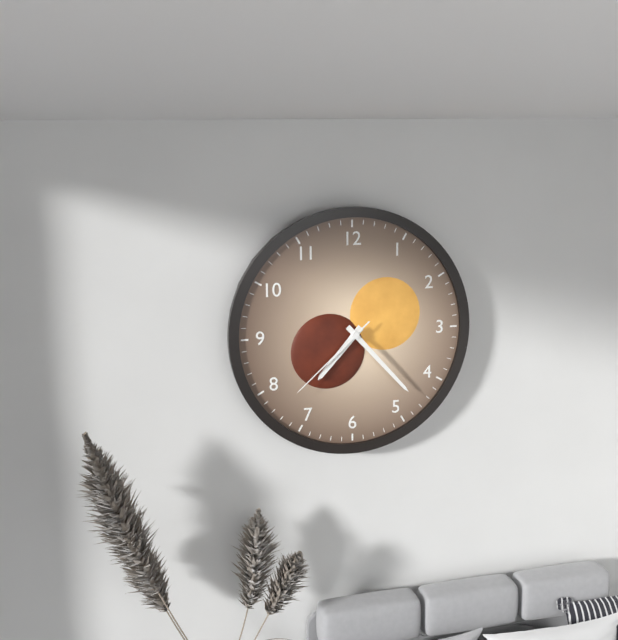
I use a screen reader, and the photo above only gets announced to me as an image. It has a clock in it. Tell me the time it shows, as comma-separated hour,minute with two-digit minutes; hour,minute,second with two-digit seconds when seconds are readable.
7,23,38
